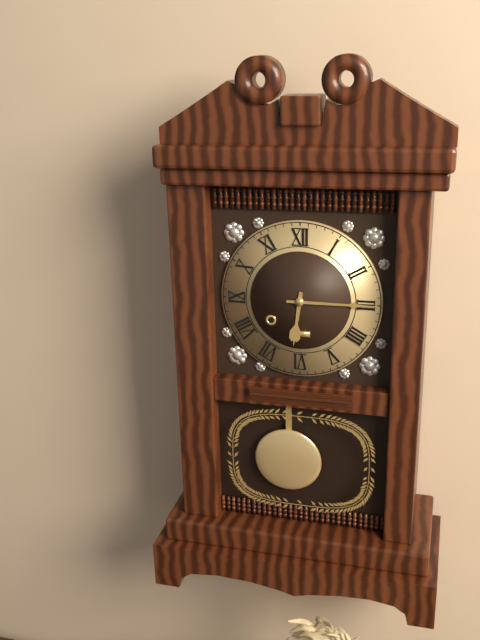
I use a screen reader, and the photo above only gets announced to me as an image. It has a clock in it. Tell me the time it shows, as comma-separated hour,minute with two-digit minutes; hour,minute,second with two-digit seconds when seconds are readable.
6,15
